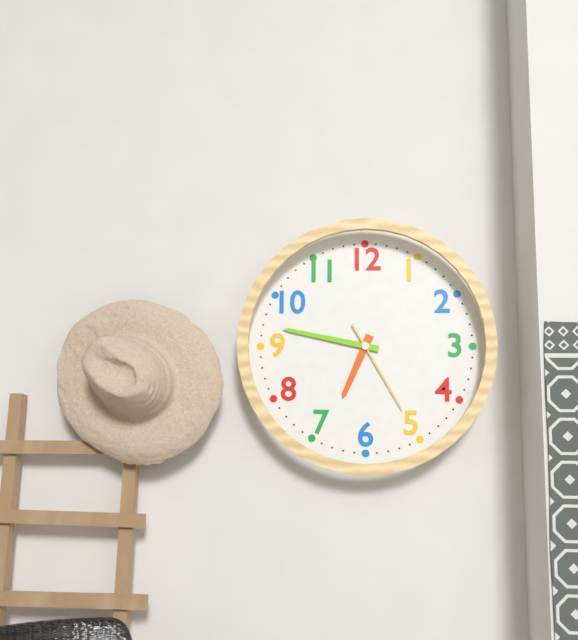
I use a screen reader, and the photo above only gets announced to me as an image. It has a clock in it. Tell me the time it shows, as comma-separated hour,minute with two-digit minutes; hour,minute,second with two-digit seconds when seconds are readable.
6,47,25
